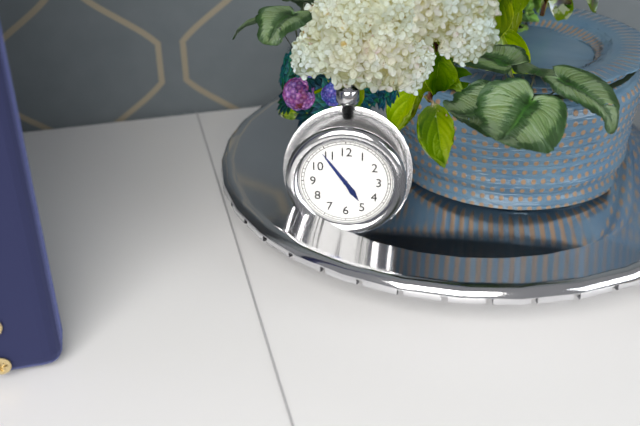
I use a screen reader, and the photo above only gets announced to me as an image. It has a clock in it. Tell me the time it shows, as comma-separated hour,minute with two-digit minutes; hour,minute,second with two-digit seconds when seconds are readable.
4,54
